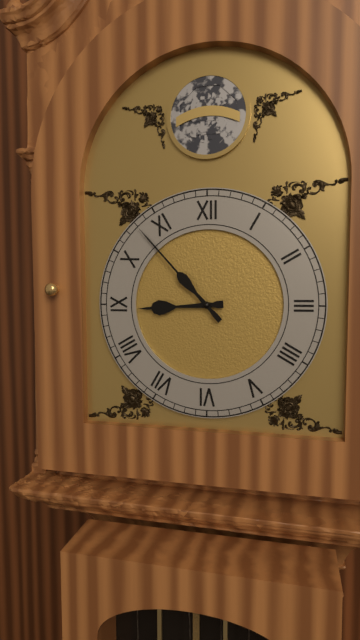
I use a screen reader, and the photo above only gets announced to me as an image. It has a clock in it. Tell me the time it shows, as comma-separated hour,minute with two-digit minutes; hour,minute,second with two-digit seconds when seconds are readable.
8,53
